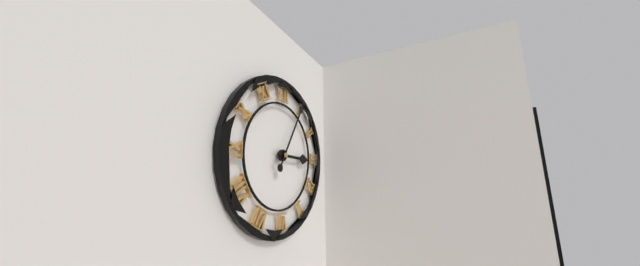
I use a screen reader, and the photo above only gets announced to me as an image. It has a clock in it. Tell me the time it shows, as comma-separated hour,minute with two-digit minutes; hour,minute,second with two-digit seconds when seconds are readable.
3,05
